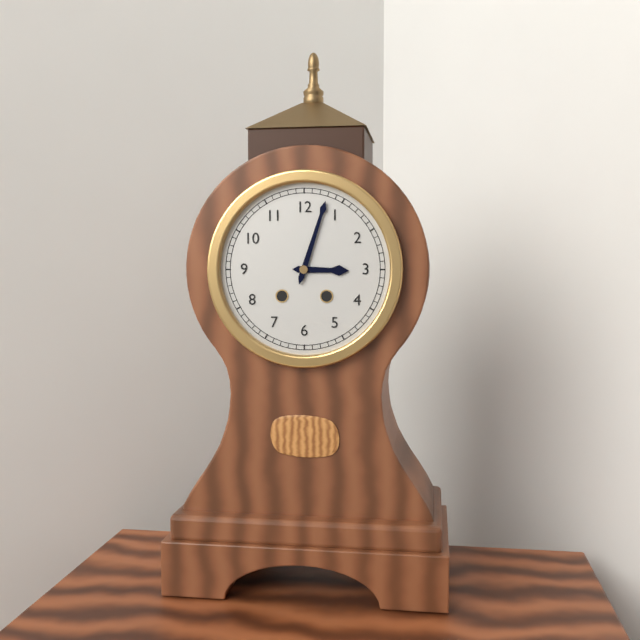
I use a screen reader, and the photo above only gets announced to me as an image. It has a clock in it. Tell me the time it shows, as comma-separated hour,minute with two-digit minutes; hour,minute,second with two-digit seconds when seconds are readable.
3,03
